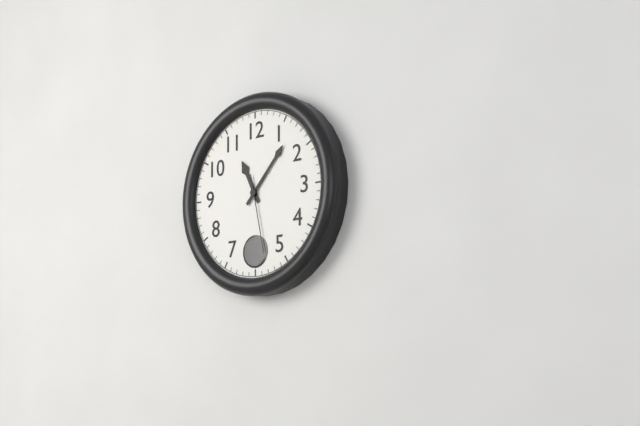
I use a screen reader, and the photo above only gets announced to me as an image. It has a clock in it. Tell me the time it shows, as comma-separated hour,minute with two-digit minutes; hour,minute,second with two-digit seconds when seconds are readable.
11,07,28
